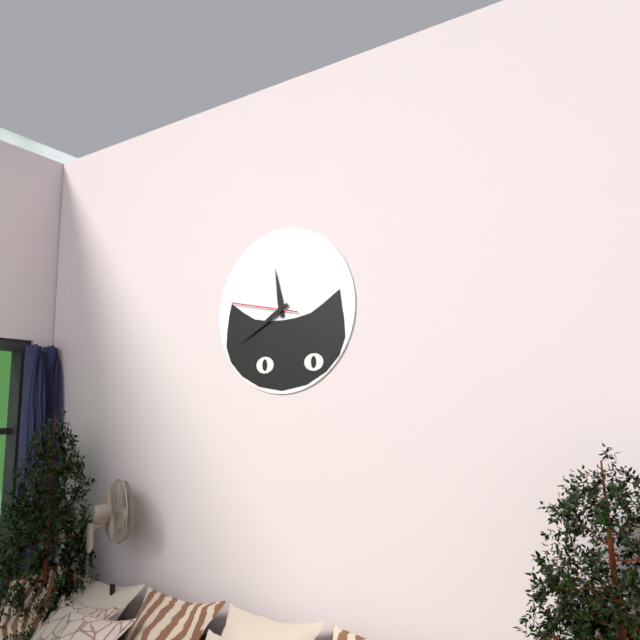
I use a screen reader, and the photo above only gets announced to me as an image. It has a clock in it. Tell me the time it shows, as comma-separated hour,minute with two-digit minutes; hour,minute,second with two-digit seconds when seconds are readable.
11,40,47
